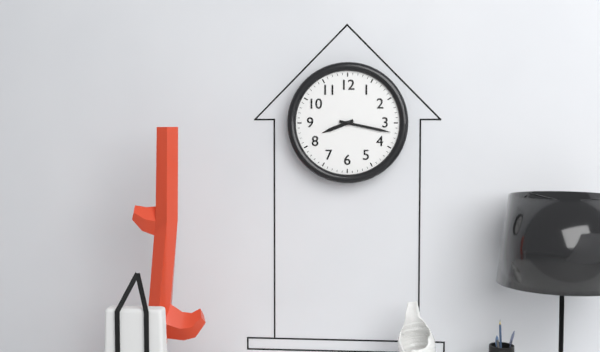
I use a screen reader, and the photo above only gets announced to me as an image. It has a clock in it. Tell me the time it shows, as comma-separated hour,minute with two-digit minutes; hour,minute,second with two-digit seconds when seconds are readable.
8,17
